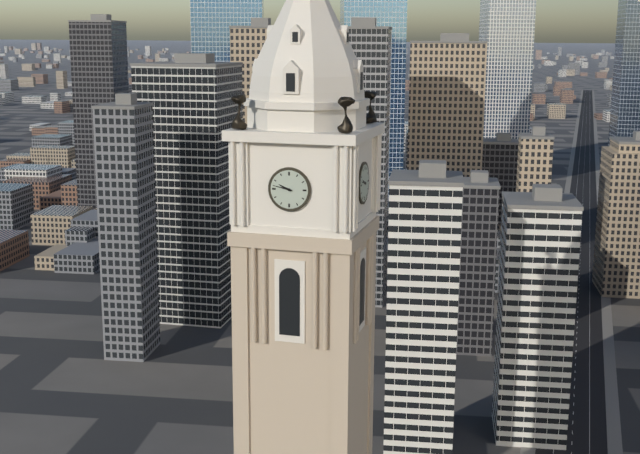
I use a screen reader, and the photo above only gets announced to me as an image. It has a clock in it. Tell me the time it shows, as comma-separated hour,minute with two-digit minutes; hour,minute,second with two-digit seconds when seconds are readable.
9,47
